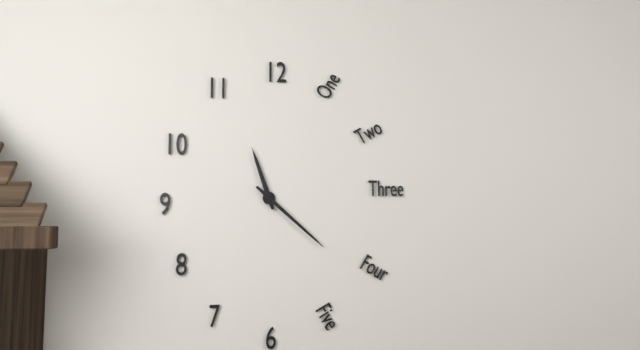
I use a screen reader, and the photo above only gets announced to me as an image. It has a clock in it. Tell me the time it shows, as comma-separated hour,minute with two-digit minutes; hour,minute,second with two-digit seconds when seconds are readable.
11,22
